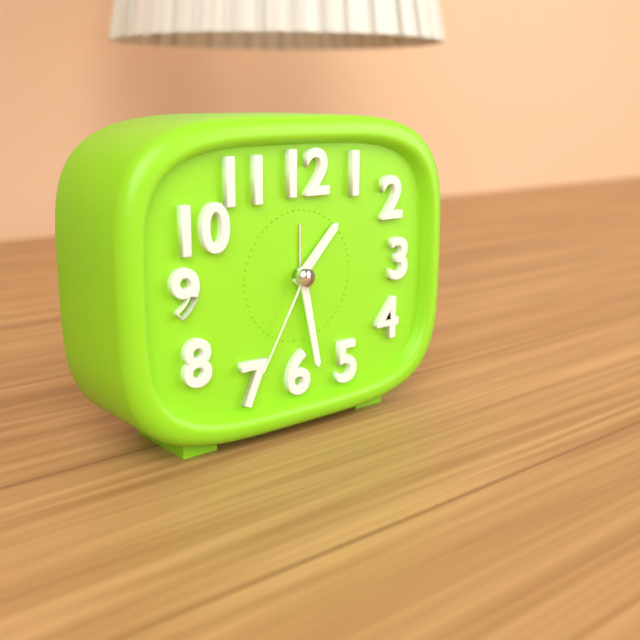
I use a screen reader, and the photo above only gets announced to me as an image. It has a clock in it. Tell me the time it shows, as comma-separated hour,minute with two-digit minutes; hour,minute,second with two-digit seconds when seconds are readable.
1,28,35
